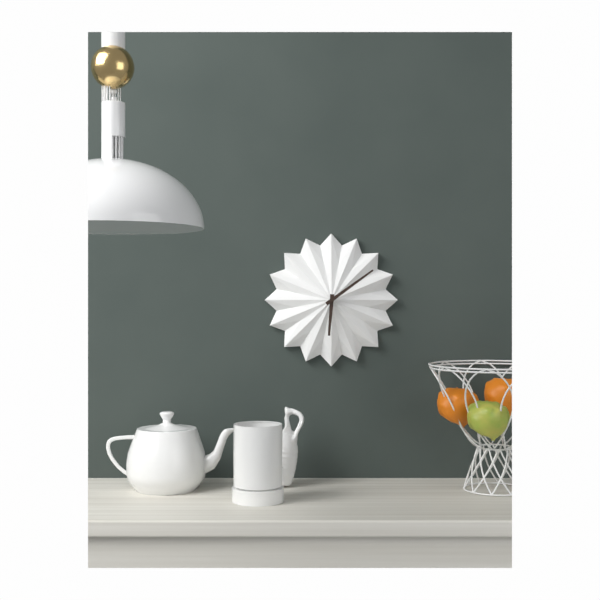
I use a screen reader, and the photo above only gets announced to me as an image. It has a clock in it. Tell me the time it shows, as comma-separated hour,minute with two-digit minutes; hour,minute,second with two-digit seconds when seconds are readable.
6,09
